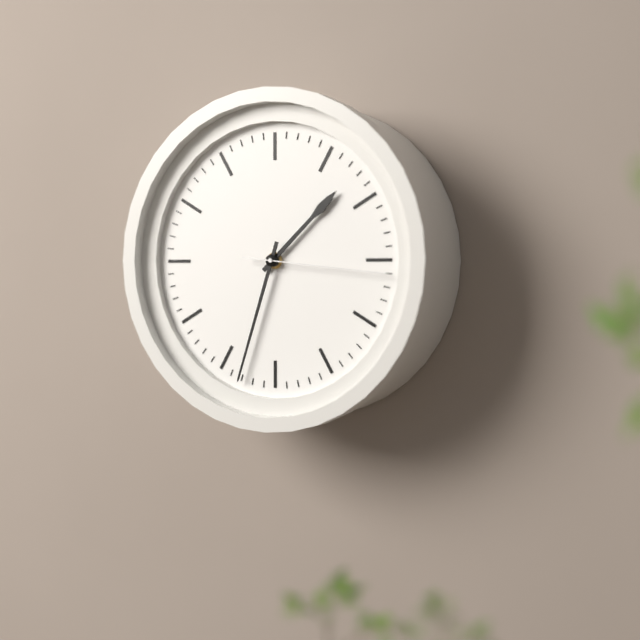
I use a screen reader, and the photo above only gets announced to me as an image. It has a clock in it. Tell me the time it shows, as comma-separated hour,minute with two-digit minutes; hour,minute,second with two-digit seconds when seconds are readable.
1,33,16
